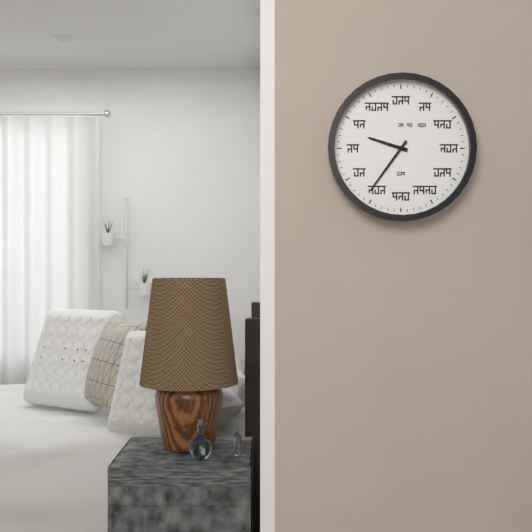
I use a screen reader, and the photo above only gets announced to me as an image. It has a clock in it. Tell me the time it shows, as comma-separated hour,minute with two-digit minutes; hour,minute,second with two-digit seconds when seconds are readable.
9,36
